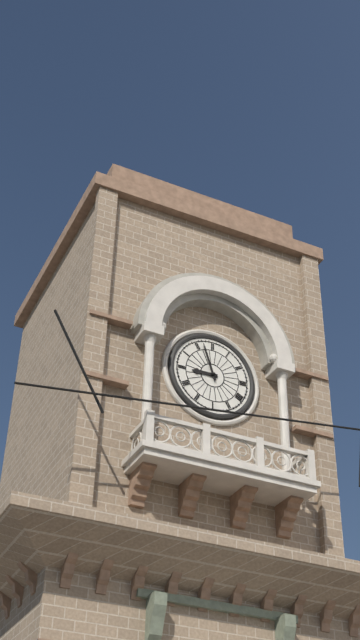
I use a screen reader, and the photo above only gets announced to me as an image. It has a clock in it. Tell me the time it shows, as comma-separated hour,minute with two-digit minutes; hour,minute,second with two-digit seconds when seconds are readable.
8,57
